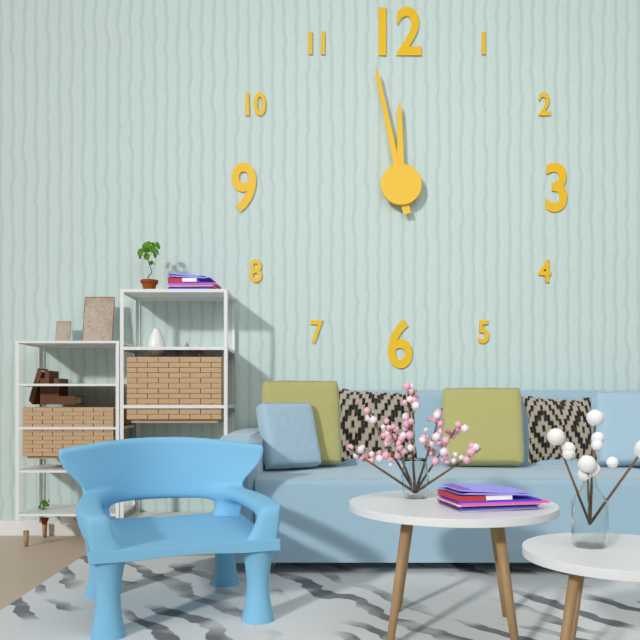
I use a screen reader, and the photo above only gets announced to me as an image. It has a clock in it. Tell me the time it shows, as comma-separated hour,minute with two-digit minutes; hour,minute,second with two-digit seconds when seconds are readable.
11,58
